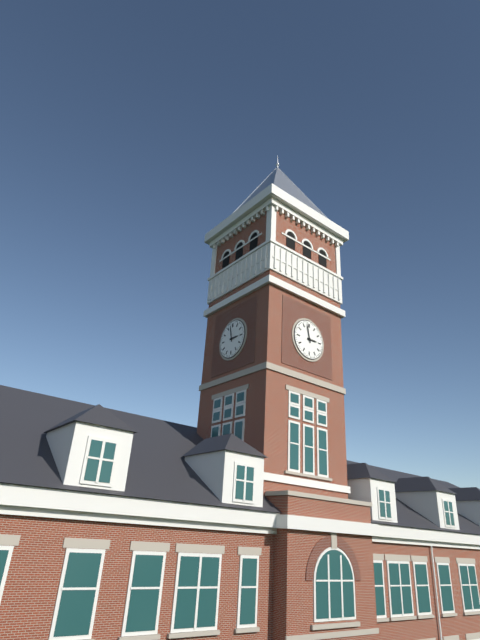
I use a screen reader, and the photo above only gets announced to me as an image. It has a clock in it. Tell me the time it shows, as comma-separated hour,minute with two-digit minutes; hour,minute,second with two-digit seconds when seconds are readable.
2,58
